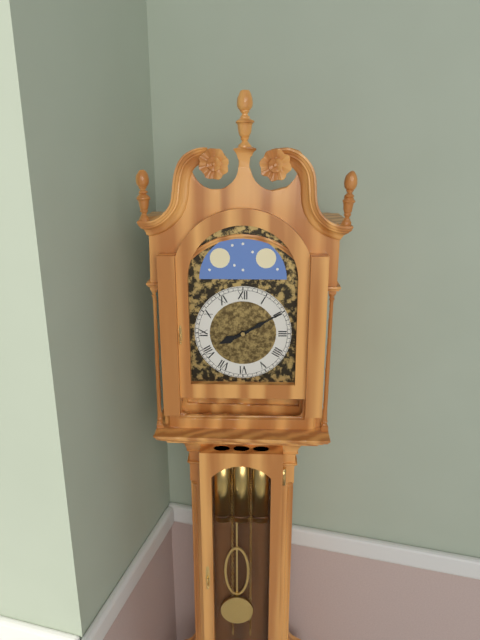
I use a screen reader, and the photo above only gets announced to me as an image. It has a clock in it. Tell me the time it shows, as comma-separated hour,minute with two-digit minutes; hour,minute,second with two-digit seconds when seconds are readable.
8,10
